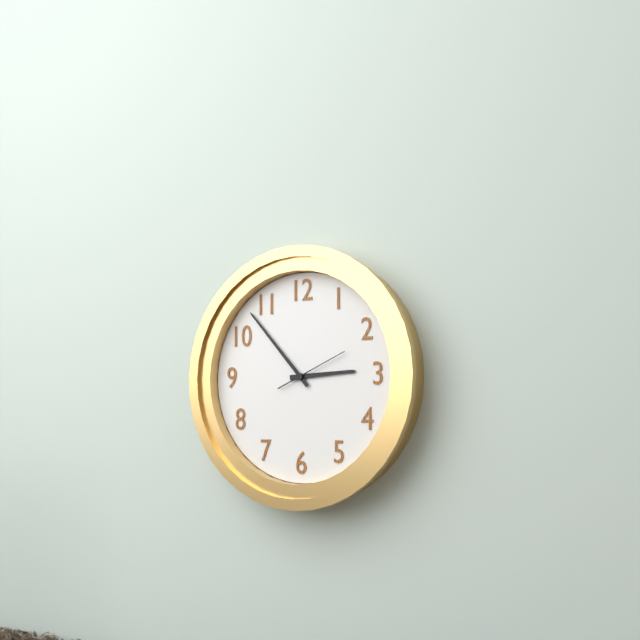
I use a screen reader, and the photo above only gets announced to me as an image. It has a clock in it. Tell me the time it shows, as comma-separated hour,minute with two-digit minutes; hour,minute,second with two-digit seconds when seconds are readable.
2,53,11
